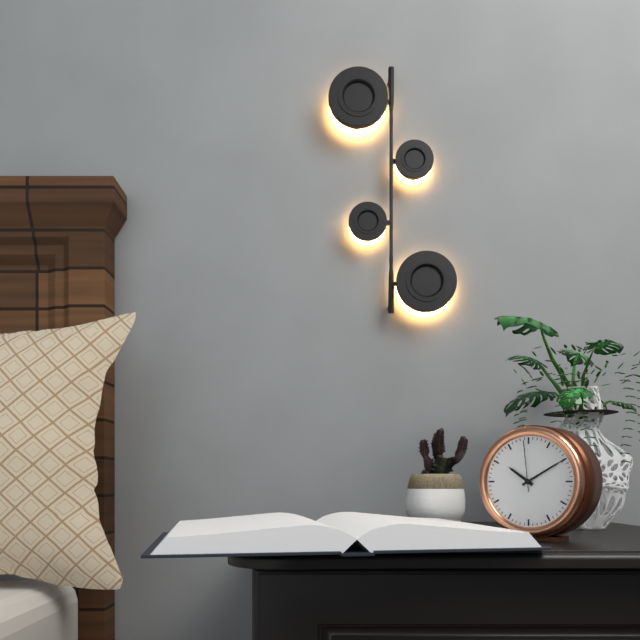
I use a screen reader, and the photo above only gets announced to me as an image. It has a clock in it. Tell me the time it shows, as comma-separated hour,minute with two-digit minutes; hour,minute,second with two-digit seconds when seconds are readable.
10,10,59
